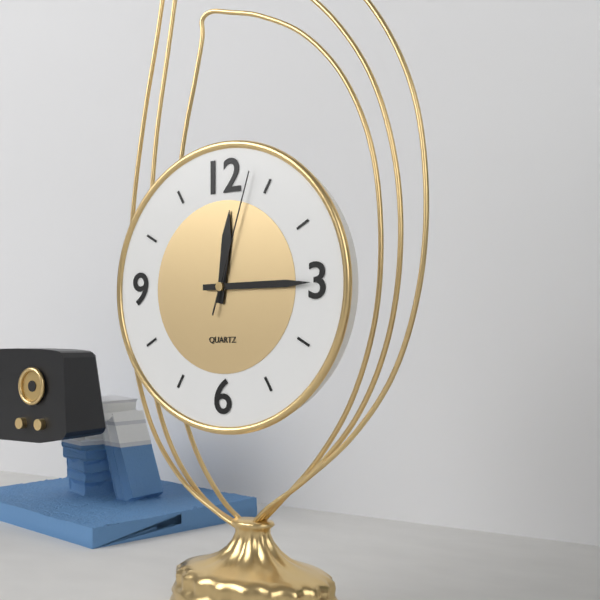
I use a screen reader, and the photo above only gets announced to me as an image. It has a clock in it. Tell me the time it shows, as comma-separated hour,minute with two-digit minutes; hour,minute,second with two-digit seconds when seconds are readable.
12,15,03
